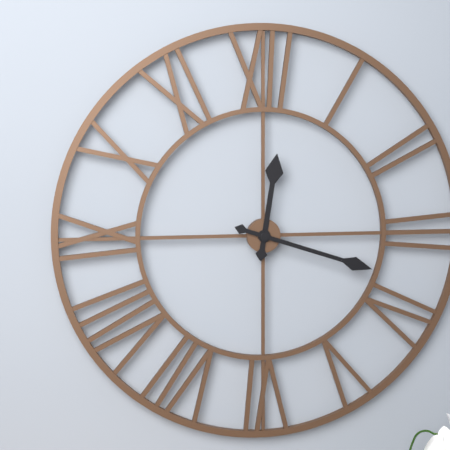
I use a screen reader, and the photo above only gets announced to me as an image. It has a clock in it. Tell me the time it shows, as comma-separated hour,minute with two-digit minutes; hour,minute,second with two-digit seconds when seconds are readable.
12,18
